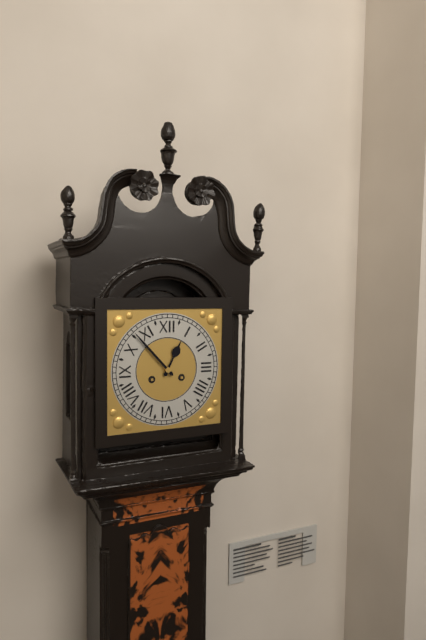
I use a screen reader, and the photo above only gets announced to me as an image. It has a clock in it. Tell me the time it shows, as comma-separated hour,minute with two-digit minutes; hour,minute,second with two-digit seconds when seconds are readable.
12,53
